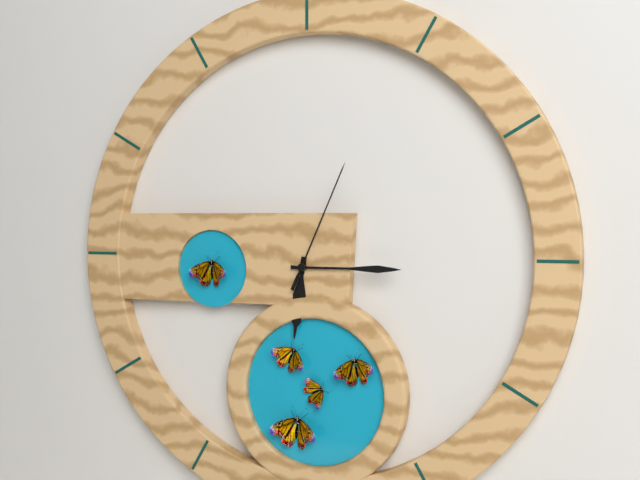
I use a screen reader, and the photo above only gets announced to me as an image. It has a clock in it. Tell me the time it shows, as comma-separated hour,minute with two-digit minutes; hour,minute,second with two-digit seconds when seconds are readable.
6,15,04
